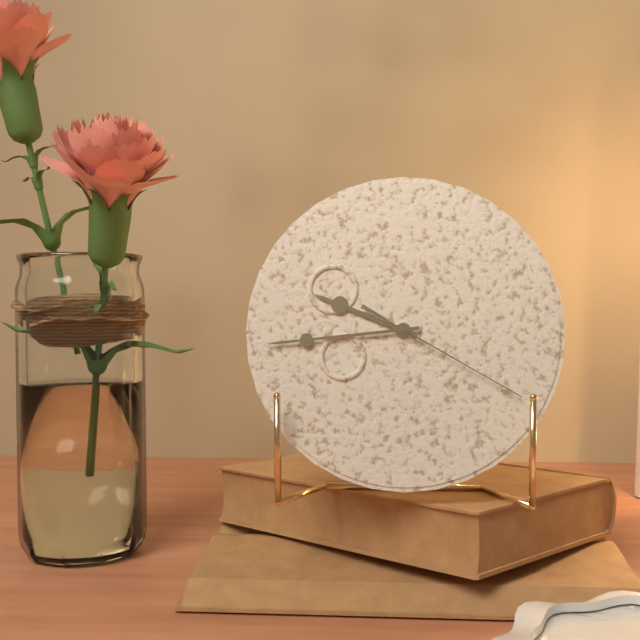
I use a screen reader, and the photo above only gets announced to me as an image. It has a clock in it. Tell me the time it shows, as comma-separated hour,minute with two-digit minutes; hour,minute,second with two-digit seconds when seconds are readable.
9,44,20
